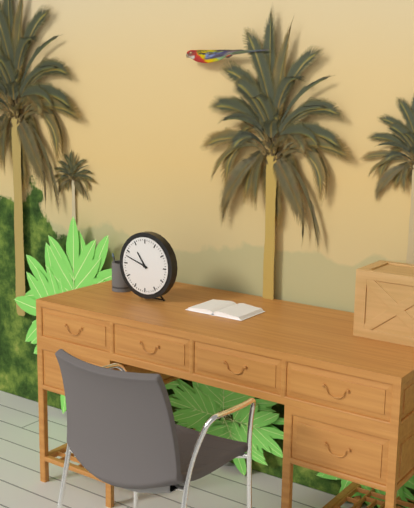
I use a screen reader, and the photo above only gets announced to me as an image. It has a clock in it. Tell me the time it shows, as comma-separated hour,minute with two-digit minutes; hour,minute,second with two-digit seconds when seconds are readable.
10,48
